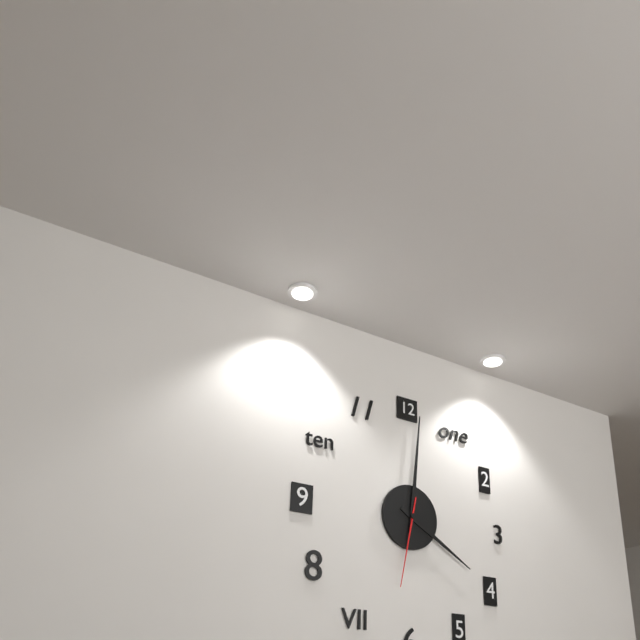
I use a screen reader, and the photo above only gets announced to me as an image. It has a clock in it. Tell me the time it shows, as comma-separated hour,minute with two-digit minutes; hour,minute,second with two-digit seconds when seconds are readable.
4,01,32
